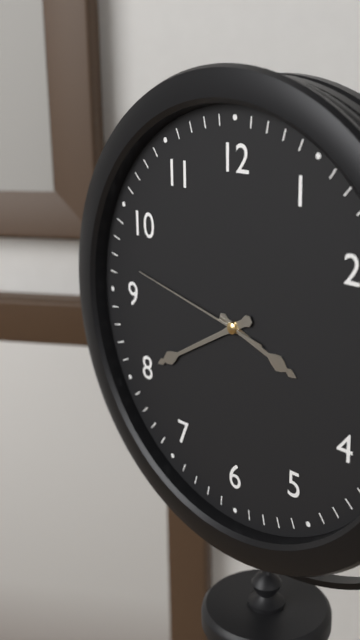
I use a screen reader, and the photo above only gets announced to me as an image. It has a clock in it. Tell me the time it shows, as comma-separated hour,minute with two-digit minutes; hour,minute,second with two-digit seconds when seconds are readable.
3,40,47
